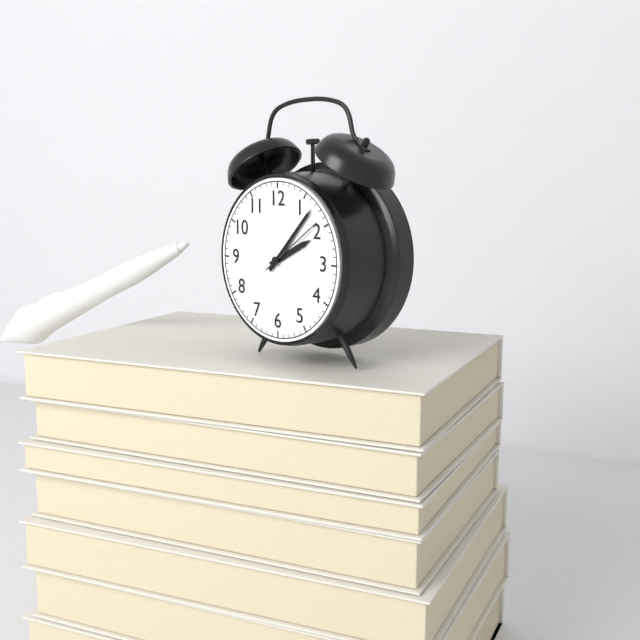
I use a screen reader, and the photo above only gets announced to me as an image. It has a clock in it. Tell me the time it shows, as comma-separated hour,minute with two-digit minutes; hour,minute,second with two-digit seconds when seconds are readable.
2,07,09
